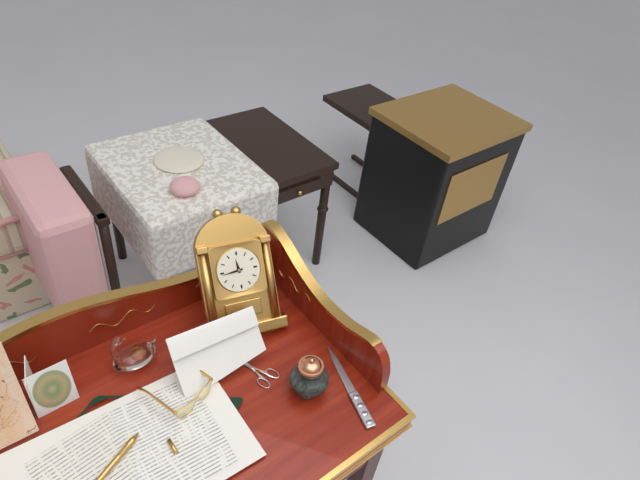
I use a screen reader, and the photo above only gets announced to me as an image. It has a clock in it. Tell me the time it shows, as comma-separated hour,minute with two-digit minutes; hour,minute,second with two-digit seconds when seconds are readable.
11,44
